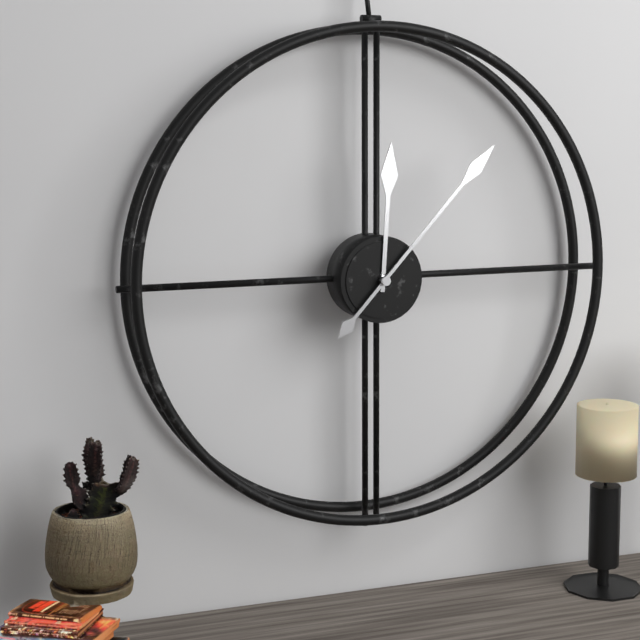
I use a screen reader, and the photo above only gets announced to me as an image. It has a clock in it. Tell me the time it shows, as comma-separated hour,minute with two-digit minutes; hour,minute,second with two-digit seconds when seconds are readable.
12,07
